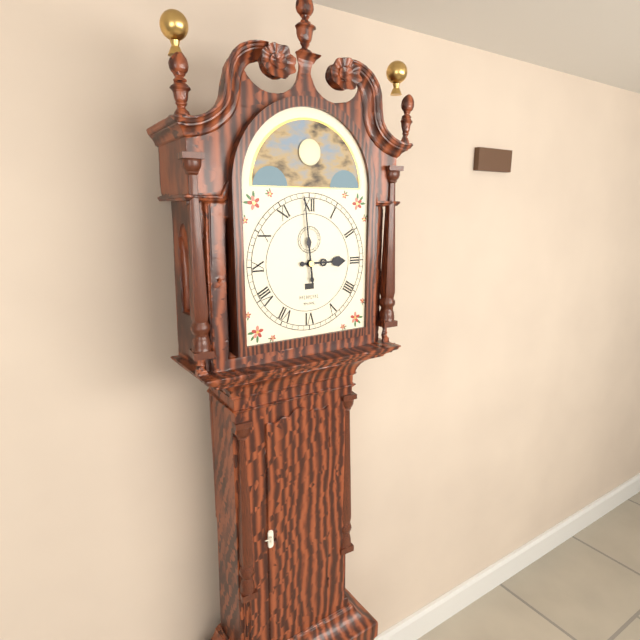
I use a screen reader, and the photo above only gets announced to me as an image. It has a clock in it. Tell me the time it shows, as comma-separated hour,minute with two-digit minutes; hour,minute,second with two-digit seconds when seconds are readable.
2,59
